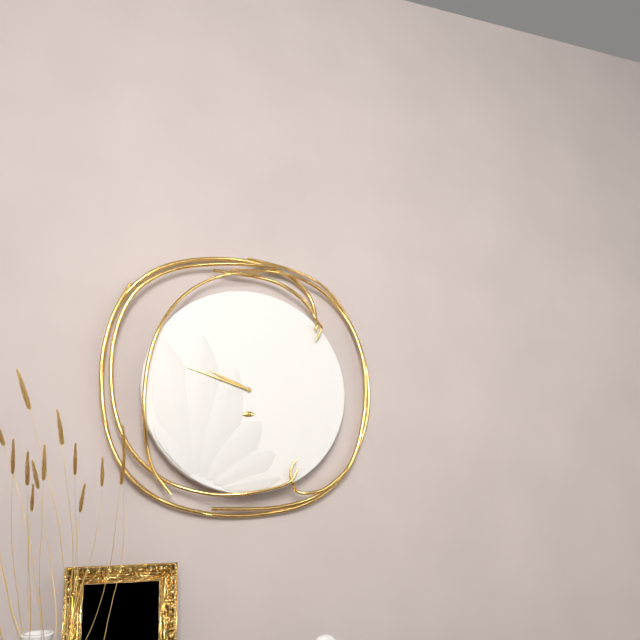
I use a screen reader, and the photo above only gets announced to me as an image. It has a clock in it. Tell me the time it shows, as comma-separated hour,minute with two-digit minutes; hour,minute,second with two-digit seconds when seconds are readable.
9,48
